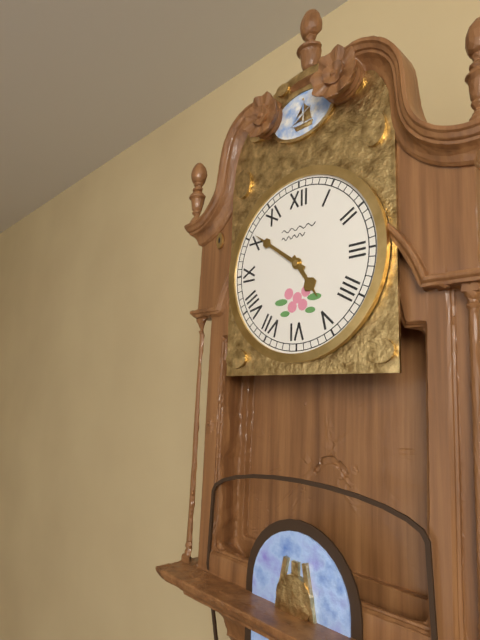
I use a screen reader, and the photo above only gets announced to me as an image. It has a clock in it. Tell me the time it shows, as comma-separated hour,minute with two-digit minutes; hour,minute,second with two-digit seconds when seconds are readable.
4,51
